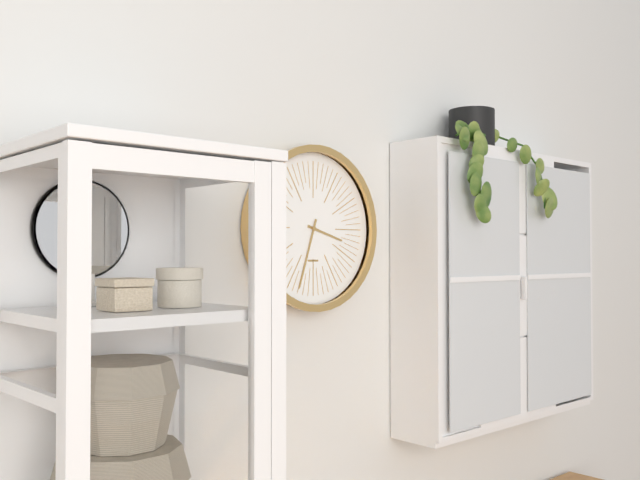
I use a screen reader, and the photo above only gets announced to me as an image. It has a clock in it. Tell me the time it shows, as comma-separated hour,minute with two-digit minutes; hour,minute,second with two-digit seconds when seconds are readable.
3,33
